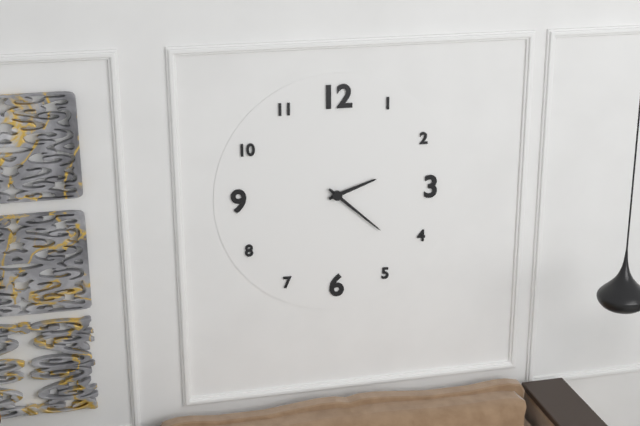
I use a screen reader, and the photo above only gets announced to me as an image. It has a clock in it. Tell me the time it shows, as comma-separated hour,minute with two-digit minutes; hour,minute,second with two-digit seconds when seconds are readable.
2,22
